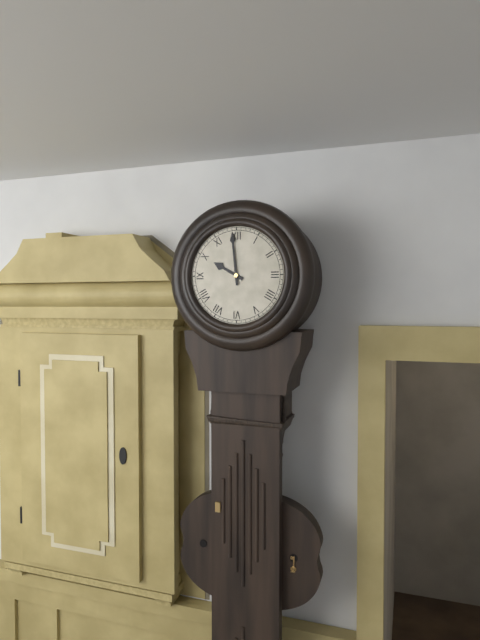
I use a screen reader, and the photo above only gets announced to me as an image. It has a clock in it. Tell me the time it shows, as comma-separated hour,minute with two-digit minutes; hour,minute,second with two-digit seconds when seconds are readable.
9,59
